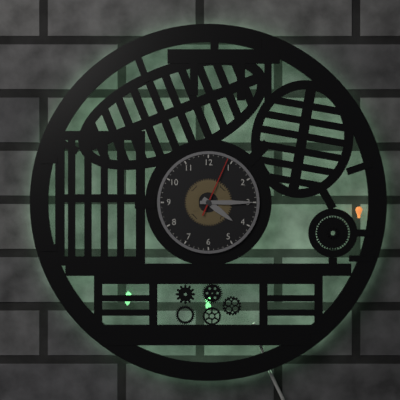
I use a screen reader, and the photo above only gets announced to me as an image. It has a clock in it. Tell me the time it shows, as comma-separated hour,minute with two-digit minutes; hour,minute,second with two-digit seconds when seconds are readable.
4,15,04
